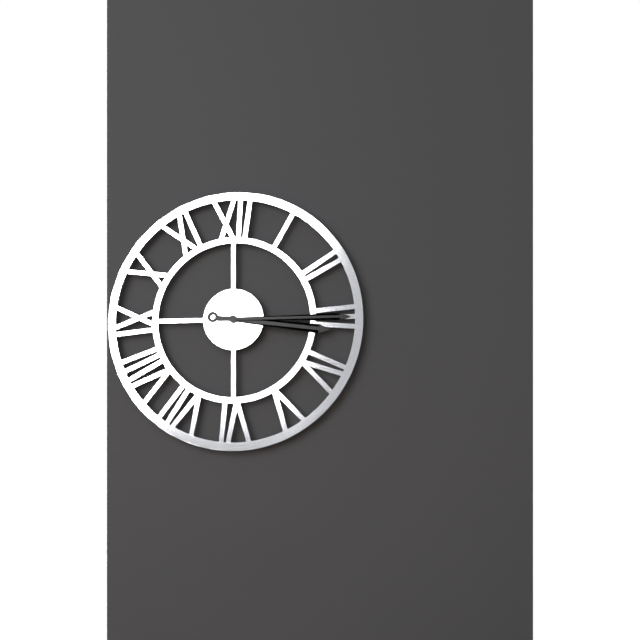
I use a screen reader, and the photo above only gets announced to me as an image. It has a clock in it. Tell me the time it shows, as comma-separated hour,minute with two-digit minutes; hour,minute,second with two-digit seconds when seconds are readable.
3,15
